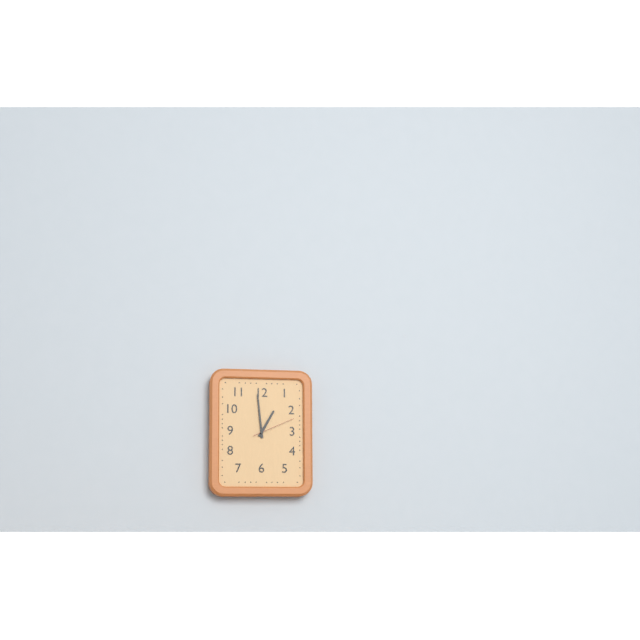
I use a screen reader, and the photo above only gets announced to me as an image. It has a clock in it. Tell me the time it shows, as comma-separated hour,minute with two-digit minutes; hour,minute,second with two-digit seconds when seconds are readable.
12,59
